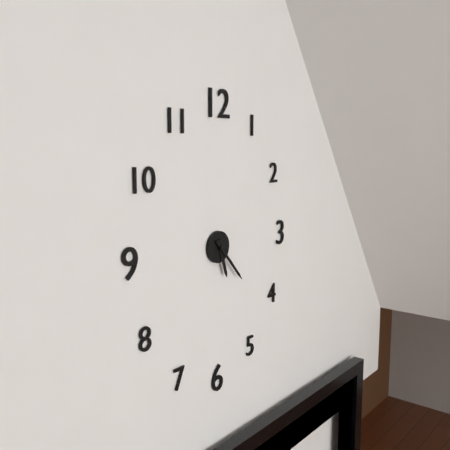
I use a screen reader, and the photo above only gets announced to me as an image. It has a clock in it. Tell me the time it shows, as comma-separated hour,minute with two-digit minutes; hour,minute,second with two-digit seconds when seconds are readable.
5,23
